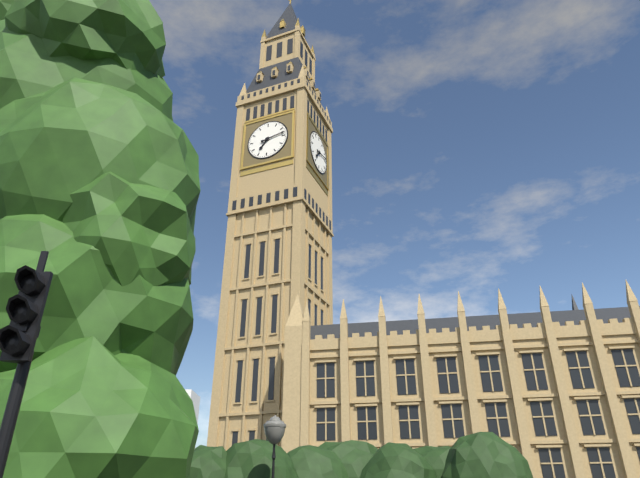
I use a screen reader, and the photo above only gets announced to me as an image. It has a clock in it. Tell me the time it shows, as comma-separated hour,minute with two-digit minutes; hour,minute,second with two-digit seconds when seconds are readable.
7,13
